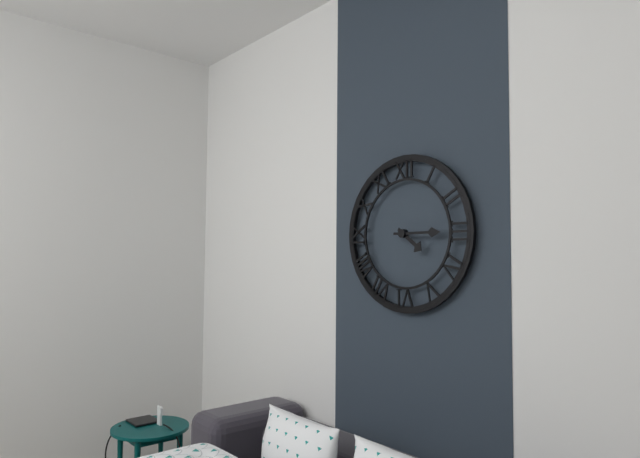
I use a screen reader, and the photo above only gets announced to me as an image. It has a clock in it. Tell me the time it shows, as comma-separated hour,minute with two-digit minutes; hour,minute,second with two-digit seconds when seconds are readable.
4,15
